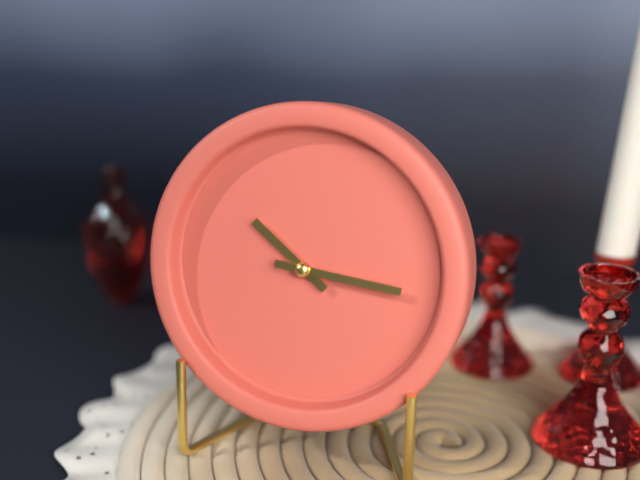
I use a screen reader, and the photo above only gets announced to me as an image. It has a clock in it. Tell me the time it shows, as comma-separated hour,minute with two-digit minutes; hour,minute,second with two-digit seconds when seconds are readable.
10,16
